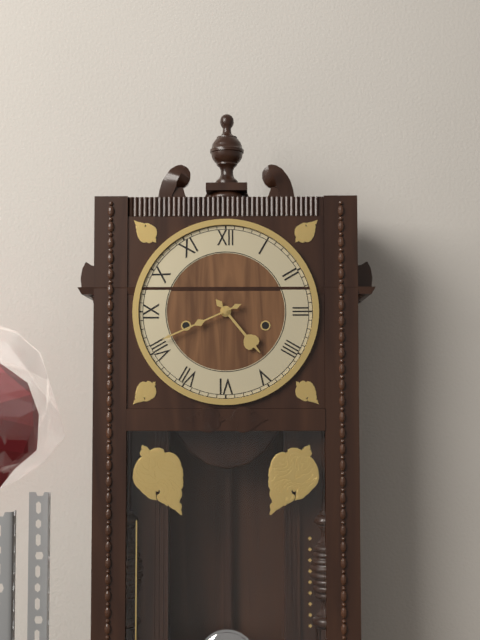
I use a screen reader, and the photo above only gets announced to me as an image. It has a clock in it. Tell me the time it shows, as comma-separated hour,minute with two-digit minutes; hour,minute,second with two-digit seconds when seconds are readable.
4,41
